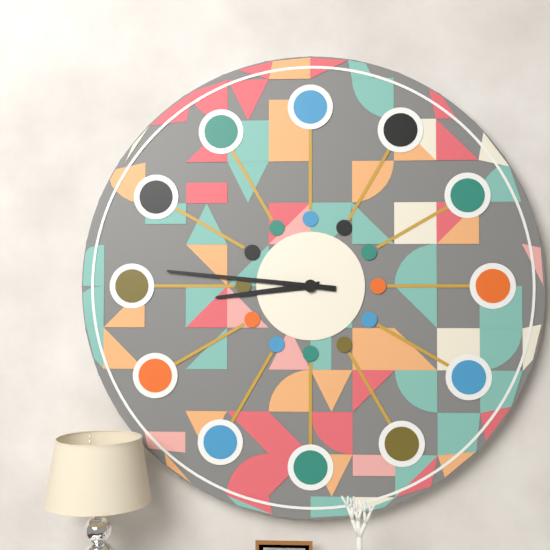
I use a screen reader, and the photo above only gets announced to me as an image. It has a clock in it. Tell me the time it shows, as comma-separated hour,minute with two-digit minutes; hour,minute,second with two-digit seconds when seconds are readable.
8,46
